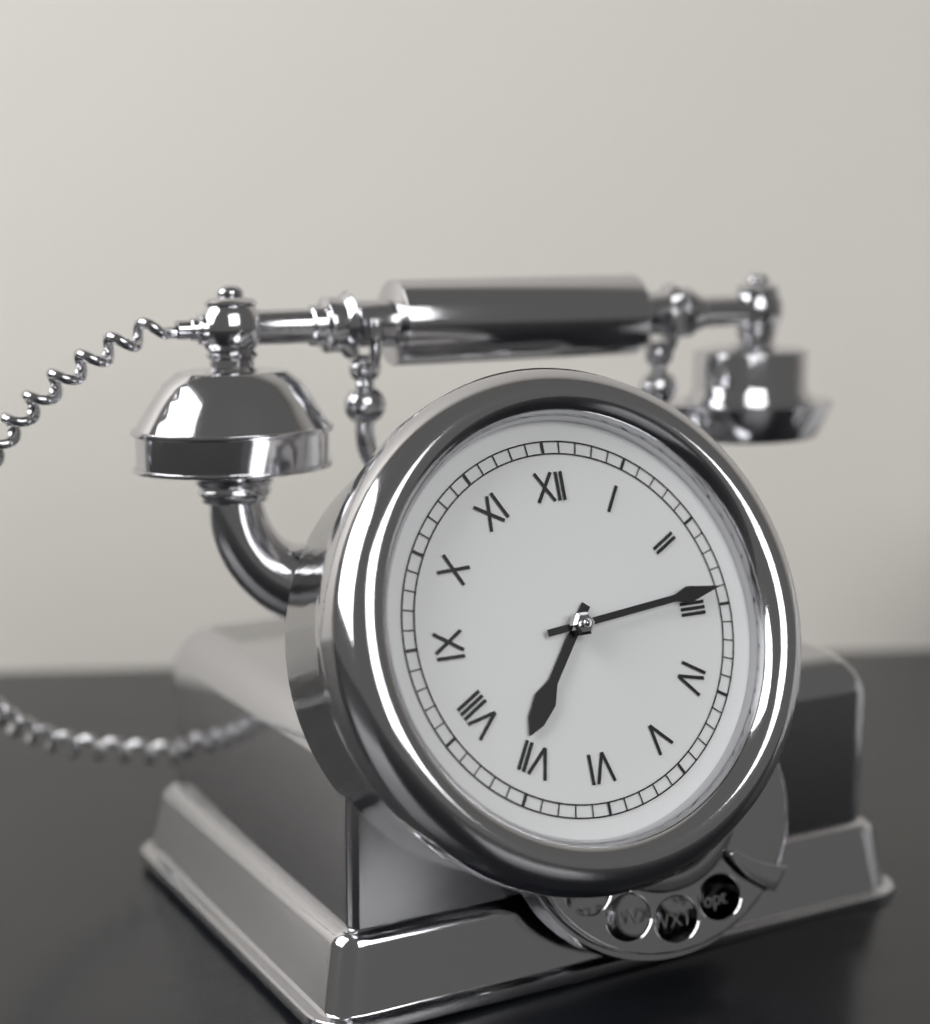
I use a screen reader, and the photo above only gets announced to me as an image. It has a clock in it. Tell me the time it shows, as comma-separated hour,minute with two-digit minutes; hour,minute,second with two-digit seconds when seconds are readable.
7,14
